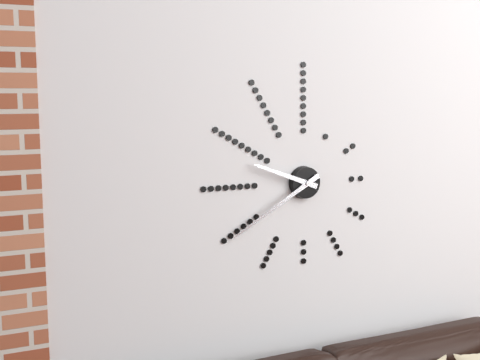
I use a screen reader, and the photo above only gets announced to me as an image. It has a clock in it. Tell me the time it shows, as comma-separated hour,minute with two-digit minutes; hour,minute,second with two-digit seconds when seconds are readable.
9,40
